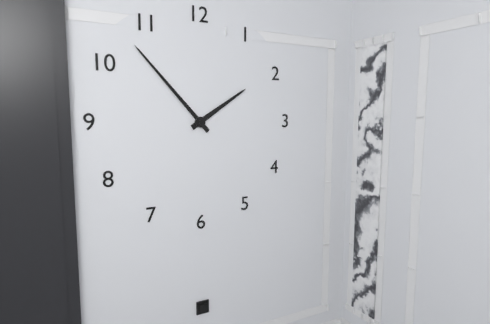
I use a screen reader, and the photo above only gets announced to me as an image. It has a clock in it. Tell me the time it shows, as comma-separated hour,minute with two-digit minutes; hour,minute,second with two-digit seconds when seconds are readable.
1,53
